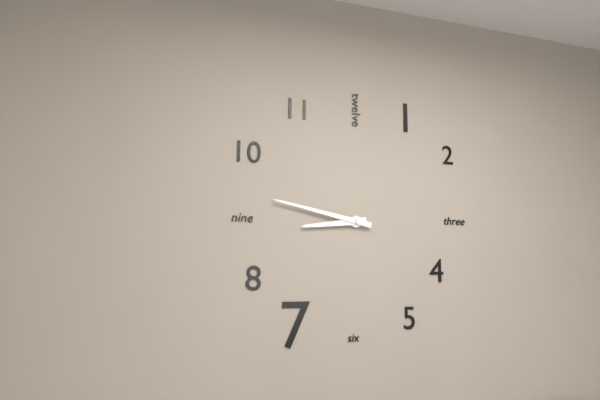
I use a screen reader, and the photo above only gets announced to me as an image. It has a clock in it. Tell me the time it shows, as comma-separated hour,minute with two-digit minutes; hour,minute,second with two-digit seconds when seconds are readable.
8,47
